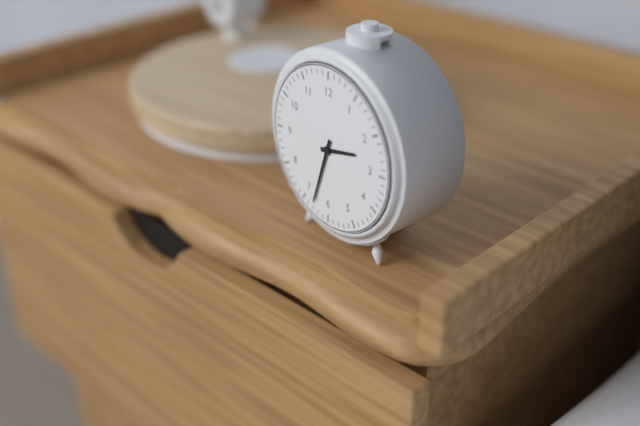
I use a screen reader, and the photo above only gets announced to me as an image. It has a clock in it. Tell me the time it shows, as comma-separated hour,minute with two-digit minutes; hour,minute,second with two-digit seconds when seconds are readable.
2,33
